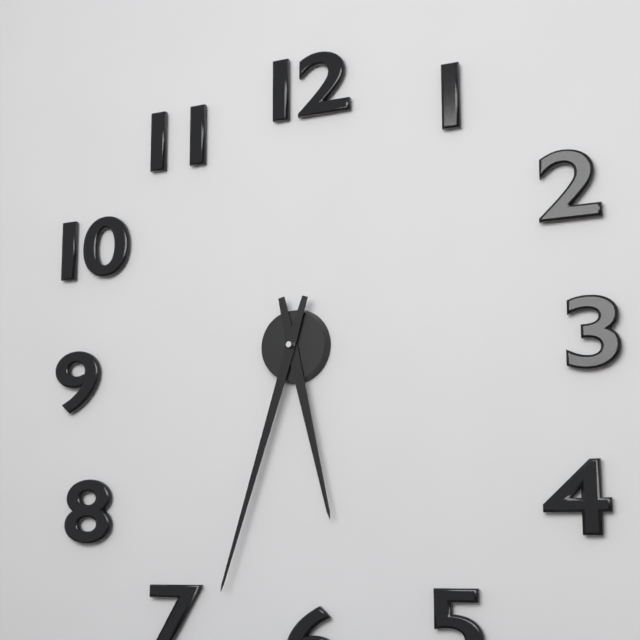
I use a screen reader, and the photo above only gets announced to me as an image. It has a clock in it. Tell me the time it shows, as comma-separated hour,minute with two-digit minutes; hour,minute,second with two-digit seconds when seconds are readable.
5,33
